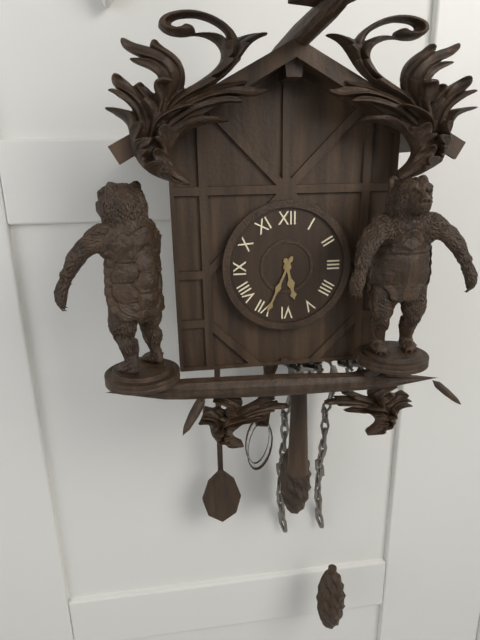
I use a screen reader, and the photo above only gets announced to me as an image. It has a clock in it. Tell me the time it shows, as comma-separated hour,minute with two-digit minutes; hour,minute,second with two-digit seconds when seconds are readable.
5,34
